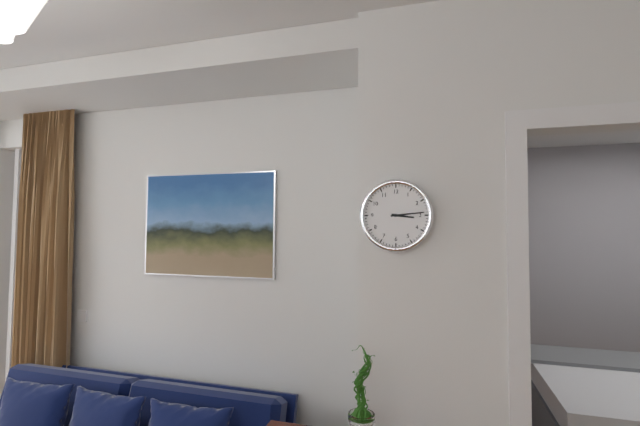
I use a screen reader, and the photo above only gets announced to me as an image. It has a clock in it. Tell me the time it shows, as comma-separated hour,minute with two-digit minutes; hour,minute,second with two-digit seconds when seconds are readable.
3,14
